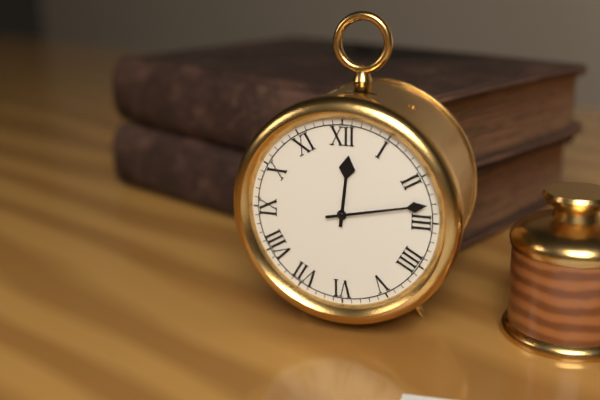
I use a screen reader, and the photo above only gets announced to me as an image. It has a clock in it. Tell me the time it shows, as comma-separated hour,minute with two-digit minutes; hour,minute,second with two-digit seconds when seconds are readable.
12,13
